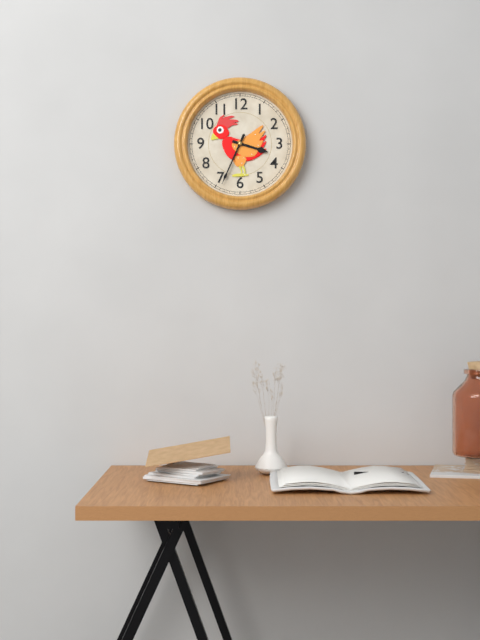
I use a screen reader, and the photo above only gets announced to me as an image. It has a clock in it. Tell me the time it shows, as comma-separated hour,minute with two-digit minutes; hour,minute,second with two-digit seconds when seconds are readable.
3,34
